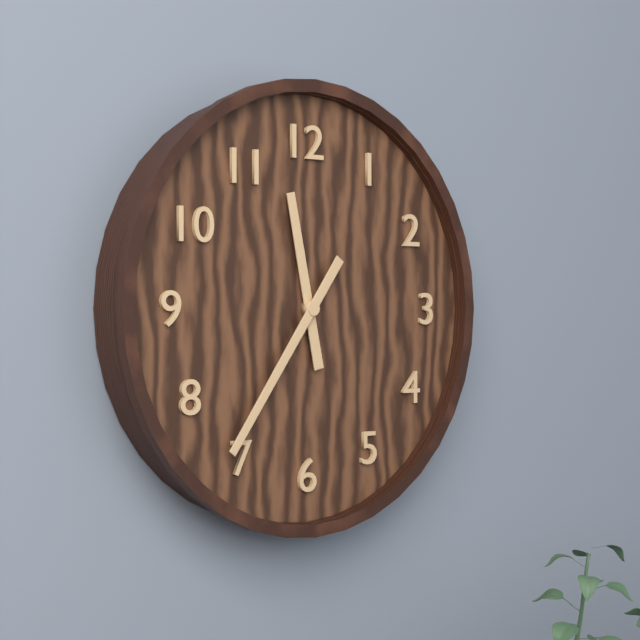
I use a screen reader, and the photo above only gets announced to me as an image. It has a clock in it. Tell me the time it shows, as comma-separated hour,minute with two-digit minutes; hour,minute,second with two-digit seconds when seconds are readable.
11,36
